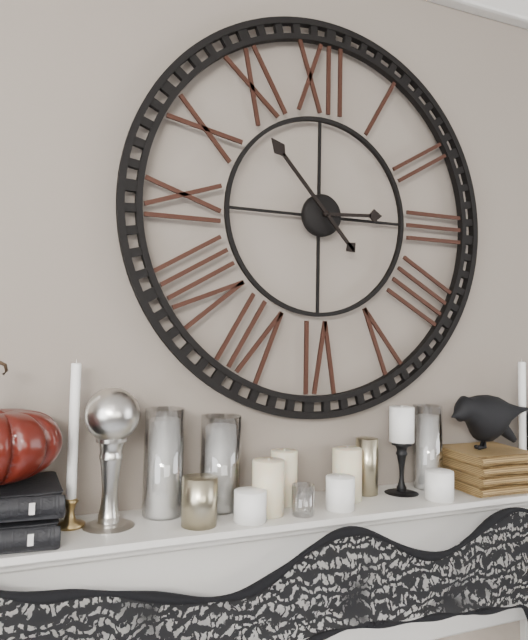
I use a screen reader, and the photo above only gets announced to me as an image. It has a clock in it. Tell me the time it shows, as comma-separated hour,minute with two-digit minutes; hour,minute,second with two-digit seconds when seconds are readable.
2,53
